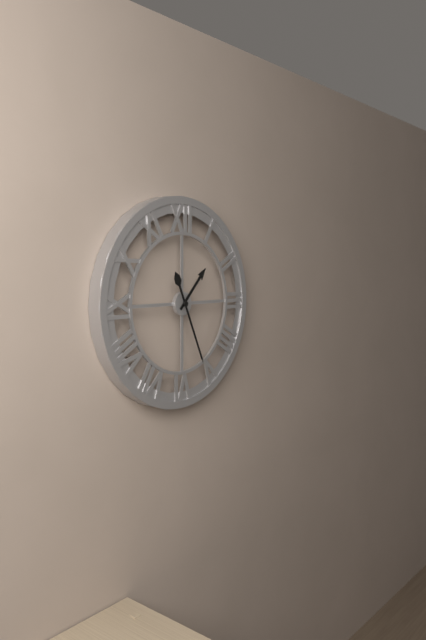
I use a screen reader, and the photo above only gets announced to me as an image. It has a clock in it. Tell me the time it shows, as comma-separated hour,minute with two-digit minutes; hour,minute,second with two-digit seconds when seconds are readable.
1,26
